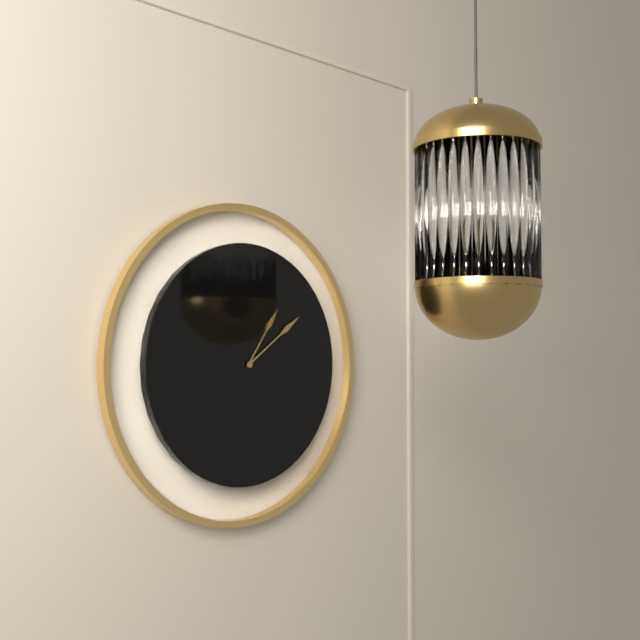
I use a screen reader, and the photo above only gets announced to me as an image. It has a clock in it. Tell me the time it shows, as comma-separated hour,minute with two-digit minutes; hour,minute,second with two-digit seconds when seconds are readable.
1,09
